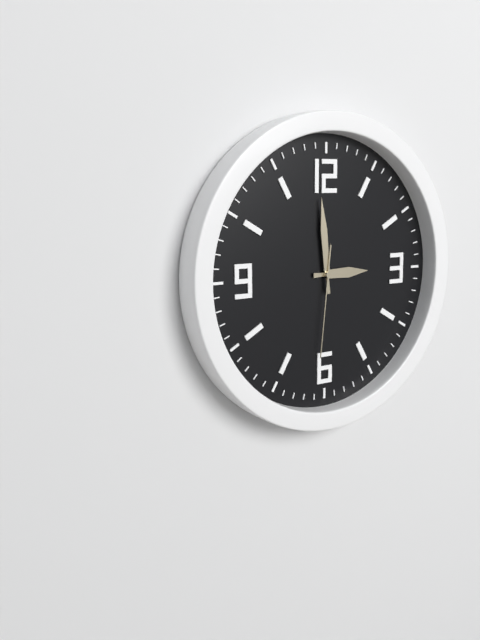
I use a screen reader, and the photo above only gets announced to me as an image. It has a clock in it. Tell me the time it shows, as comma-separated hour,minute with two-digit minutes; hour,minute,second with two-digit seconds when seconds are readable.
2,59,31
